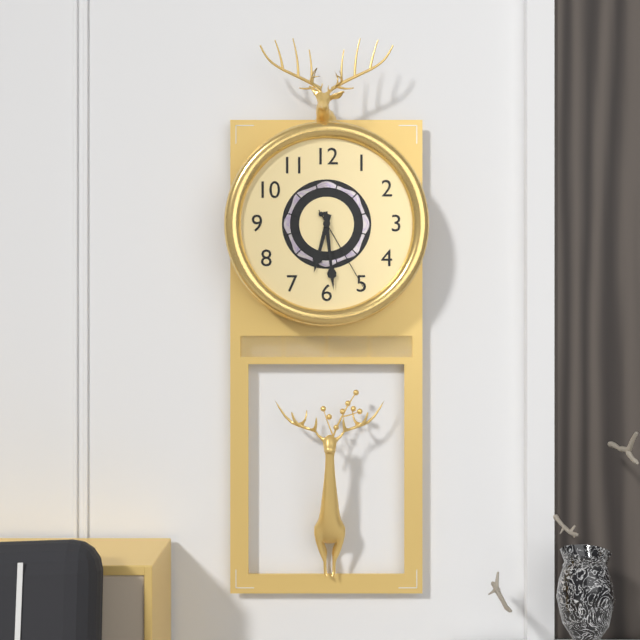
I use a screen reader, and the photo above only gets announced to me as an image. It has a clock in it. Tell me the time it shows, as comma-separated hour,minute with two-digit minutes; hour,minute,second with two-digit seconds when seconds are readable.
6,29,25
